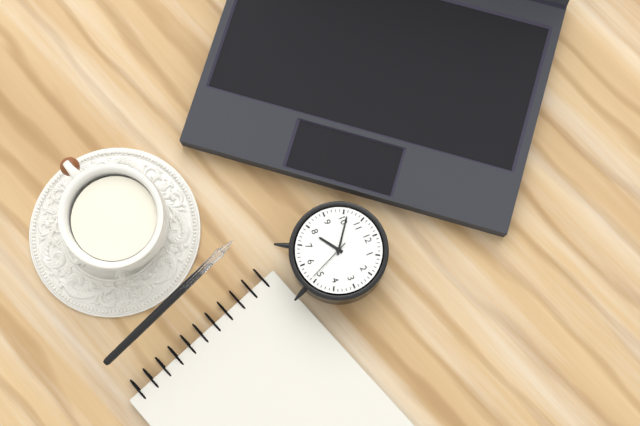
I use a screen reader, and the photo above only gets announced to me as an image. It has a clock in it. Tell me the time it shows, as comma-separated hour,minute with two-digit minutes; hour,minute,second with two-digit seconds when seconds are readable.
7,51
